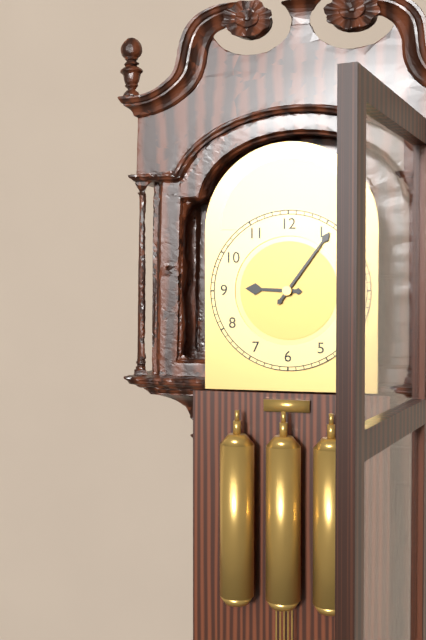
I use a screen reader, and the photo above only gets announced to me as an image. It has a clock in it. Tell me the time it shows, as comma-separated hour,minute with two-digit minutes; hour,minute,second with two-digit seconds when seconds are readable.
9,06
